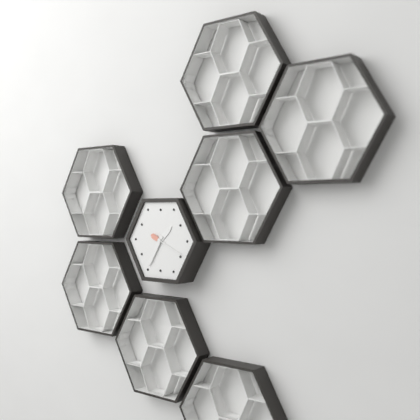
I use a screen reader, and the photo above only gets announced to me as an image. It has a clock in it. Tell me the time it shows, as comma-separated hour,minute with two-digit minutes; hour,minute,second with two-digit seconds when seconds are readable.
1,35
